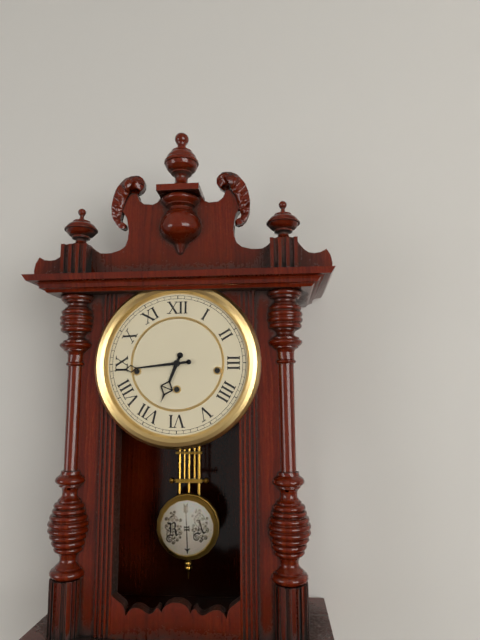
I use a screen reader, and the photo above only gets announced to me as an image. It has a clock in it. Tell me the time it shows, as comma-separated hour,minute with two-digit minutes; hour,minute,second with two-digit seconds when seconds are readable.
6,44
